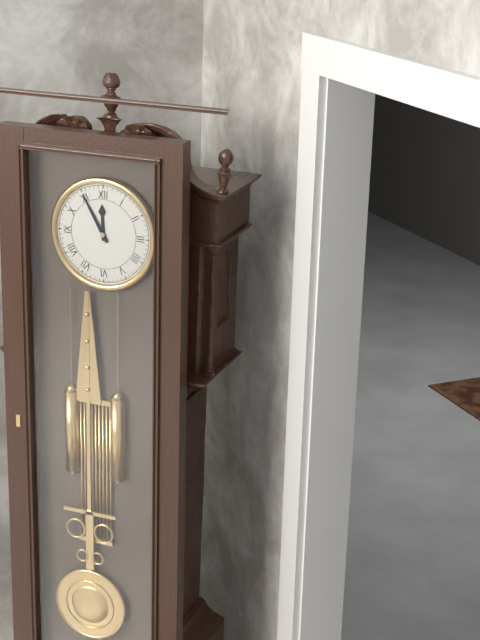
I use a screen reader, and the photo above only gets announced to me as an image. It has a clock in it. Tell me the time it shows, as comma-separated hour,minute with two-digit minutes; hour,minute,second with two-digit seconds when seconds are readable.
11,55
